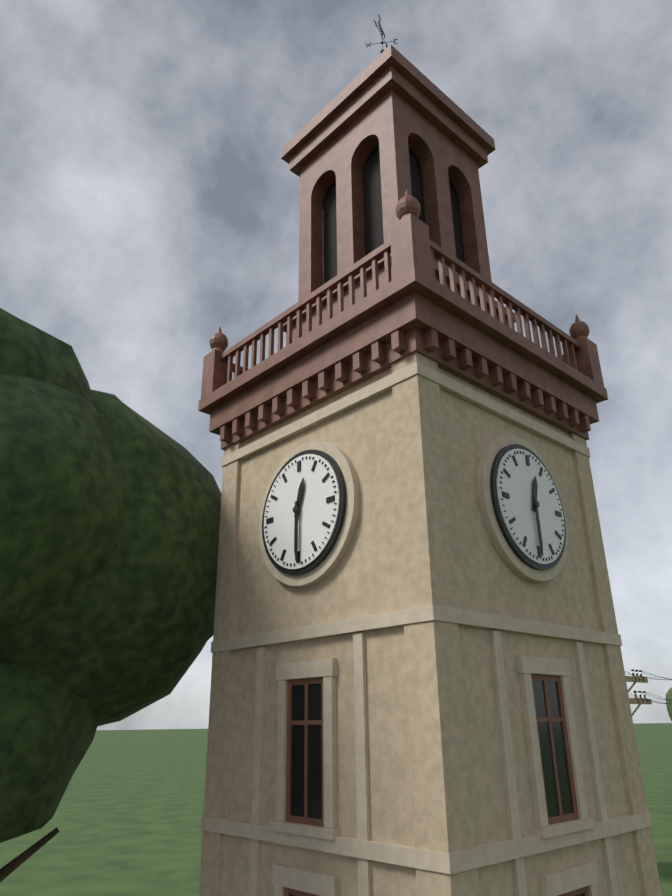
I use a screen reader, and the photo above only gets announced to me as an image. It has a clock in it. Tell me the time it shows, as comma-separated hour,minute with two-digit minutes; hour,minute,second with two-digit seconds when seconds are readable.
12,30
